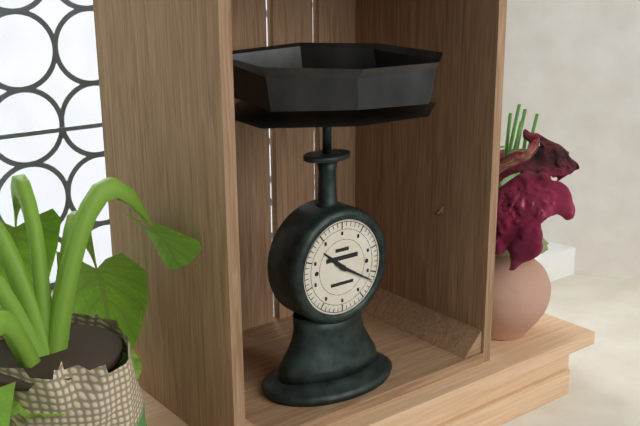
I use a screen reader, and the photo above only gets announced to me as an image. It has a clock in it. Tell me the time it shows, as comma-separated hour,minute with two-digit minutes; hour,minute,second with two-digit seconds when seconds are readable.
10,20
